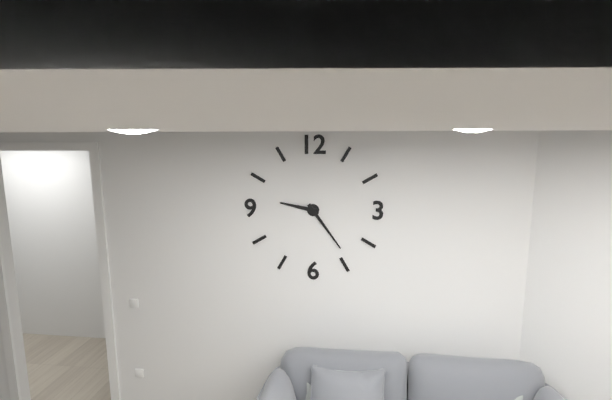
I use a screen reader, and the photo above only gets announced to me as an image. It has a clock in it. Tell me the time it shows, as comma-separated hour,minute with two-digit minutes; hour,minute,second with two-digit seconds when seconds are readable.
9,24
